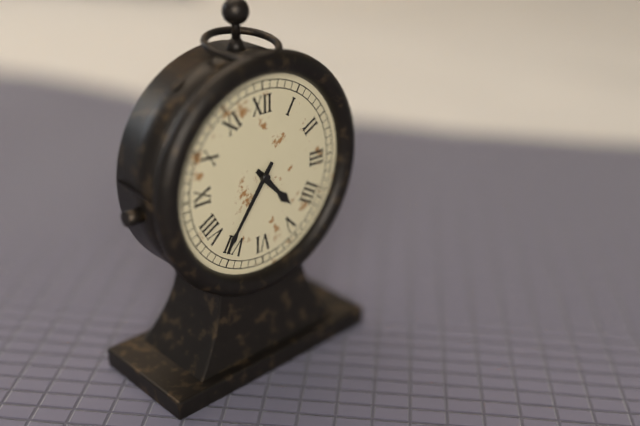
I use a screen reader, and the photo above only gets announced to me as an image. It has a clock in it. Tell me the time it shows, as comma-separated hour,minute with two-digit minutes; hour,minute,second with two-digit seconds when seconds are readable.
4,36
